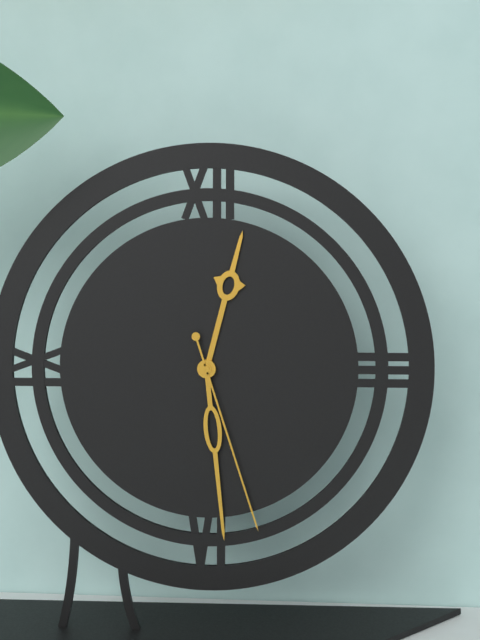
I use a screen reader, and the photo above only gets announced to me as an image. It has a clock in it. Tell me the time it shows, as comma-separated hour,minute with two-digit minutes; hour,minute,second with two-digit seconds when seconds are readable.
12,29,27
